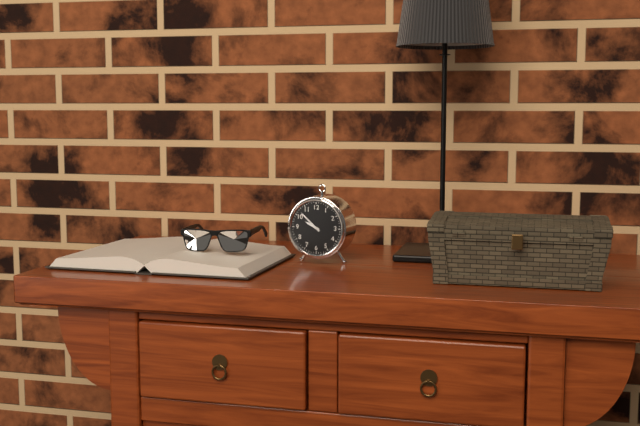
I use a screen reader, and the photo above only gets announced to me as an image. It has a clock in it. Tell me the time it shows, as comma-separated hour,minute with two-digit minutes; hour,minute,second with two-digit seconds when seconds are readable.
9,52
